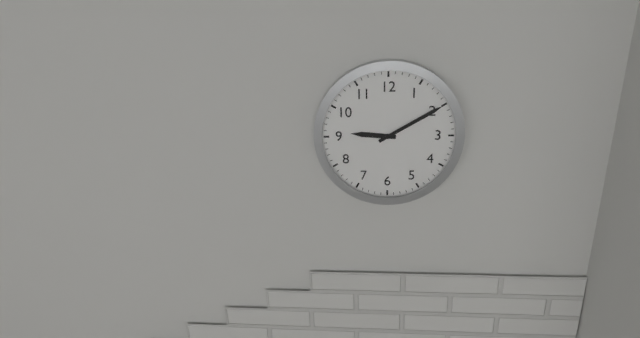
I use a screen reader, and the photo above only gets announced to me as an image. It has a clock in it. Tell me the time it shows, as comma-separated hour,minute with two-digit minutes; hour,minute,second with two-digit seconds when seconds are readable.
9,10
